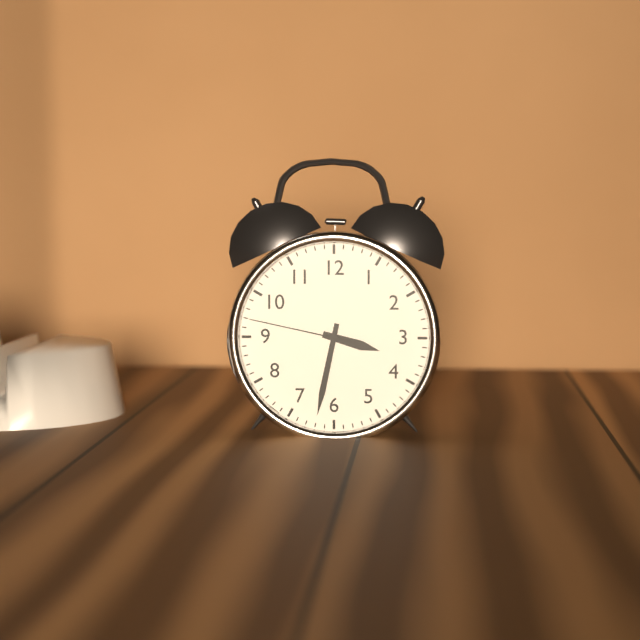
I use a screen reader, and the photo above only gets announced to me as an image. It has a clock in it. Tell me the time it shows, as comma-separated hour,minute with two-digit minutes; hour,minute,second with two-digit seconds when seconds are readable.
3,32,47
